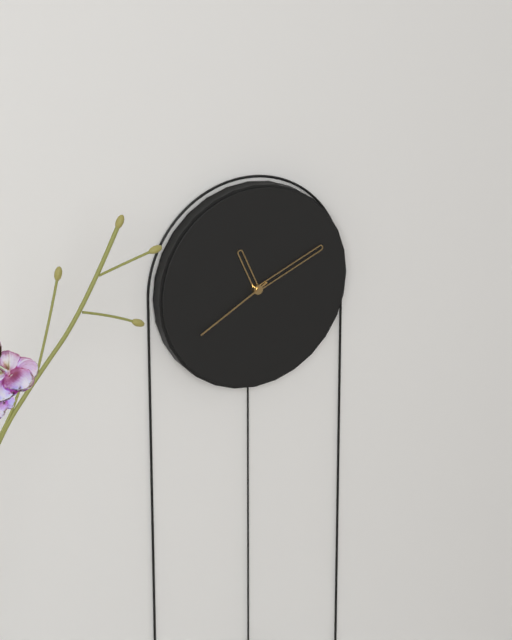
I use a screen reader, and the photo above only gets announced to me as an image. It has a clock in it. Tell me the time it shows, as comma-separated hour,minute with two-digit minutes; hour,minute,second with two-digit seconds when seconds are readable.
11,11,40
